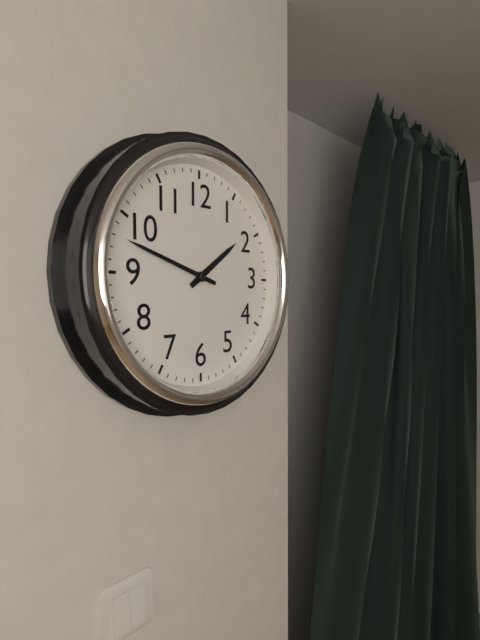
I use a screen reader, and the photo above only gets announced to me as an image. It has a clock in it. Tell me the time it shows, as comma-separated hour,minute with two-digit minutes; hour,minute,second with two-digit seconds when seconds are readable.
1,48
